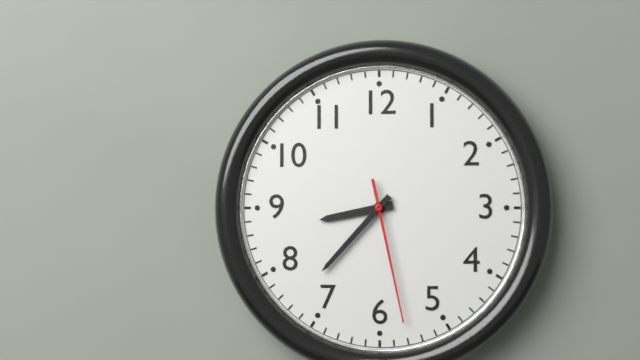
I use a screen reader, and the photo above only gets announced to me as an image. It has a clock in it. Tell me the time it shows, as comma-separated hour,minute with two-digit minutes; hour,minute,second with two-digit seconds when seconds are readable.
8,37,28
